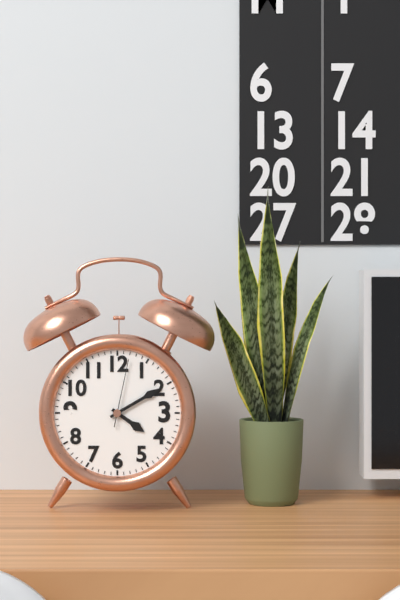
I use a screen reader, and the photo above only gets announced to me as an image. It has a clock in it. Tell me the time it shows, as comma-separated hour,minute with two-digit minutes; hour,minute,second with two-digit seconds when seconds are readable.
4,10,02
